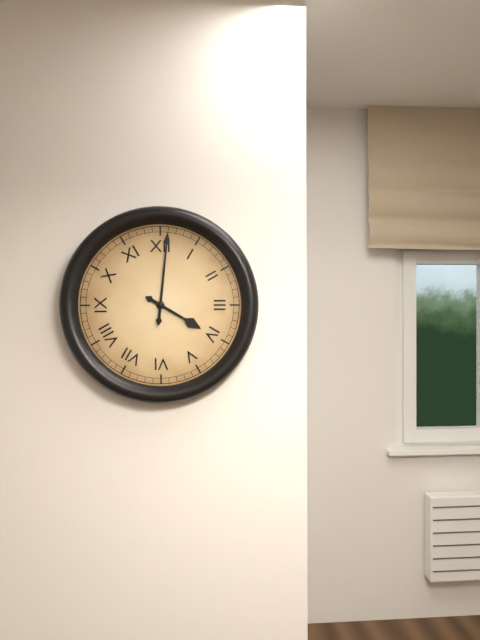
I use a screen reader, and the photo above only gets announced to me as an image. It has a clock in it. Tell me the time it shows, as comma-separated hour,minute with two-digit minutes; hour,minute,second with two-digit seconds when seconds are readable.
4,01
